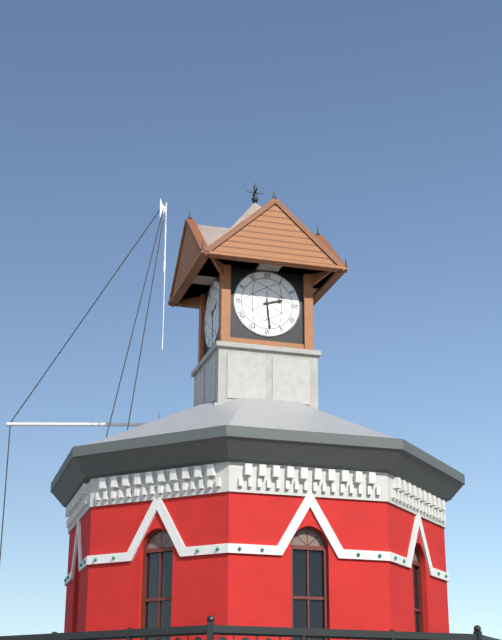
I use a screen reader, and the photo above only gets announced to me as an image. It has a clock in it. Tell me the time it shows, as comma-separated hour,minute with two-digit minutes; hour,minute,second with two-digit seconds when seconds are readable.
2,29
